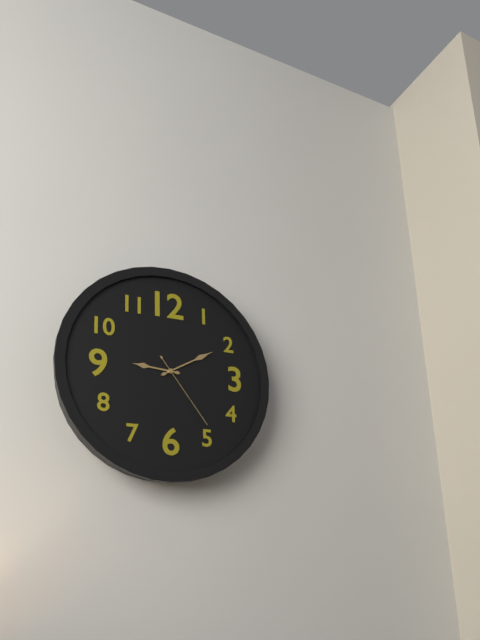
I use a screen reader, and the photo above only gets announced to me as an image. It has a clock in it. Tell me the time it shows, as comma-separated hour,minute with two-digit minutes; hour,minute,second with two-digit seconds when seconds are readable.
9,10,24
